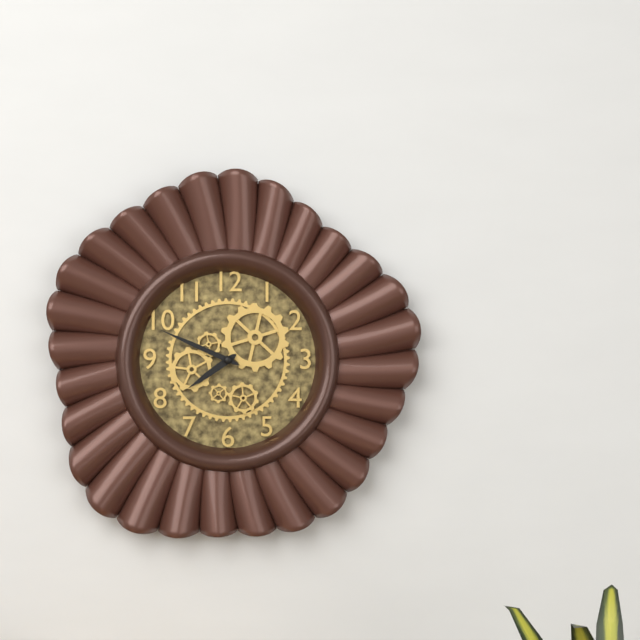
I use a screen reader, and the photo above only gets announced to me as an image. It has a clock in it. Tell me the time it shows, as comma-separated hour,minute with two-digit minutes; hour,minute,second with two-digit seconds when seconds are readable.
7,49
